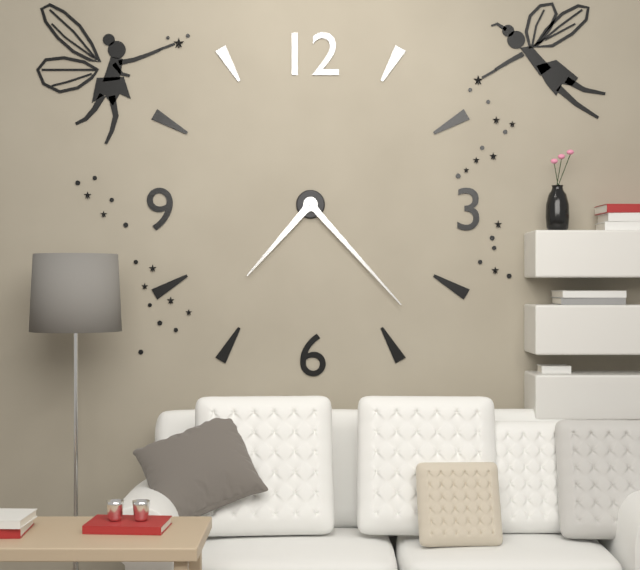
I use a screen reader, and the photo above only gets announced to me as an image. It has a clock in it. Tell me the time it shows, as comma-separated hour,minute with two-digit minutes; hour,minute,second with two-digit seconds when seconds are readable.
7,23
